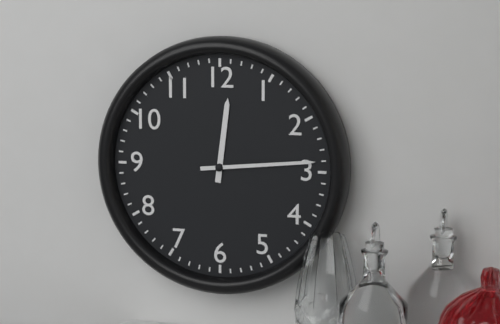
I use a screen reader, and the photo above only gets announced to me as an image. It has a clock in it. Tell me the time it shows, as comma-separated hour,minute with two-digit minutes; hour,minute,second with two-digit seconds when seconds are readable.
12,14
